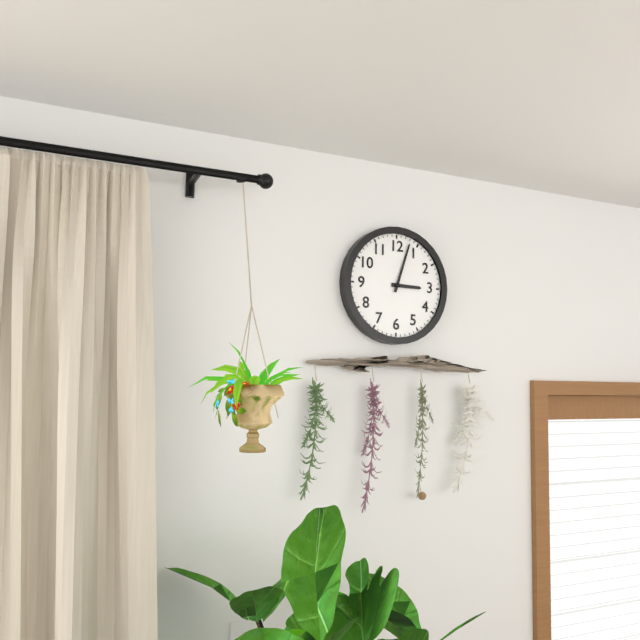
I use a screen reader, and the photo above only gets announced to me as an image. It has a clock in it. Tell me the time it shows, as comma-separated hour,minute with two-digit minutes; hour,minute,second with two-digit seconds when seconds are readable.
3,03
